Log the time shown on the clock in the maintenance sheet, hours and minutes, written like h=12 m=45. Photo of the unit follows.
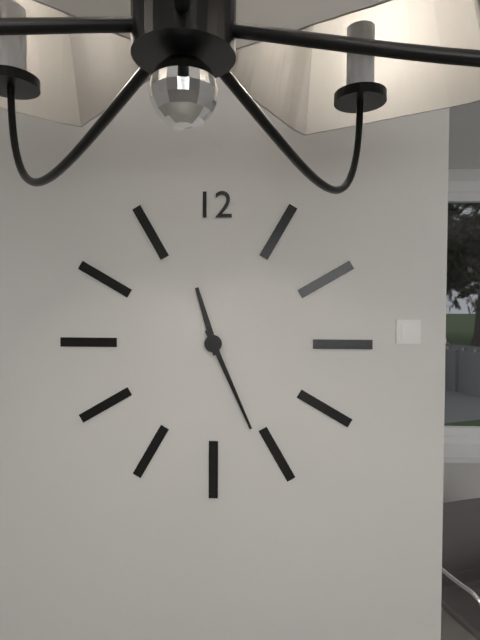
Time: h=11 m=26
